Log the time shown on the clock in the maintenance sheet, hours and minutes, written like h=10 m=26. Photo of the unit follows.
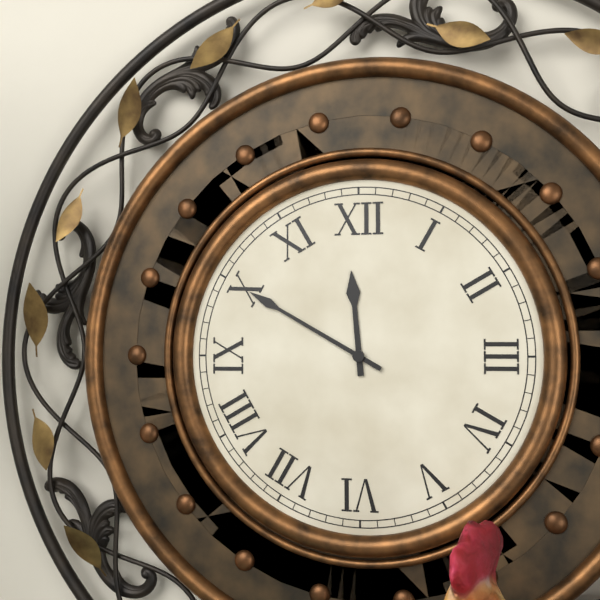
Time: h=11 m=50
